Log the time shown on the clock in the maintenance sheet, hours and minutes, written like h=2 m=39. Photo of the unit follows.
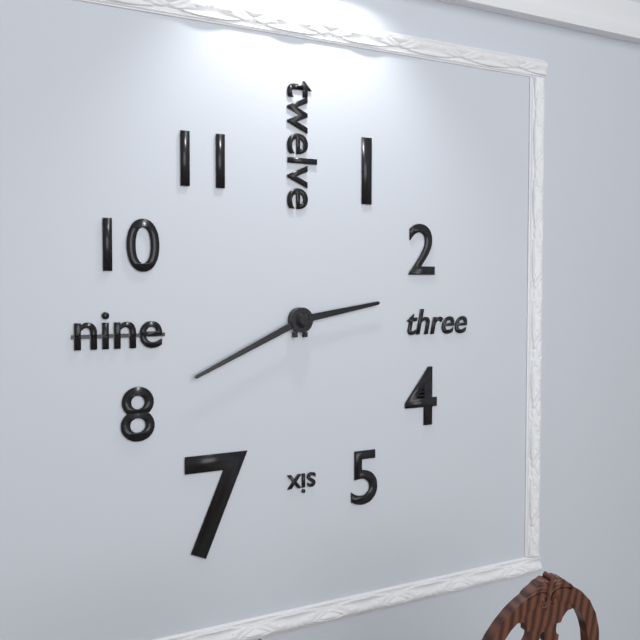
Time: h=2 m=41
